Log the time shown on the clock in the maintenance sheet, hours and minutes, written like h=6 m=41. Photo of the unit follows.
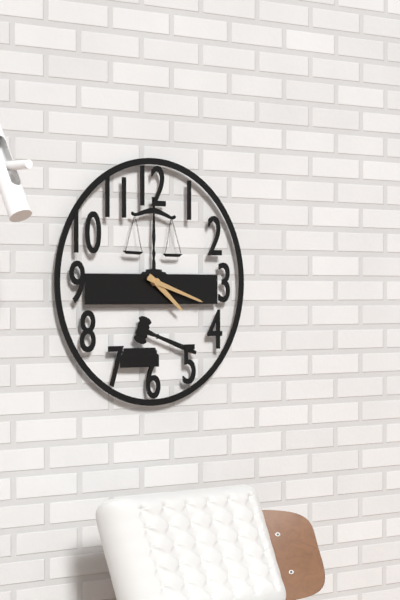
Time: h=4 m=18
